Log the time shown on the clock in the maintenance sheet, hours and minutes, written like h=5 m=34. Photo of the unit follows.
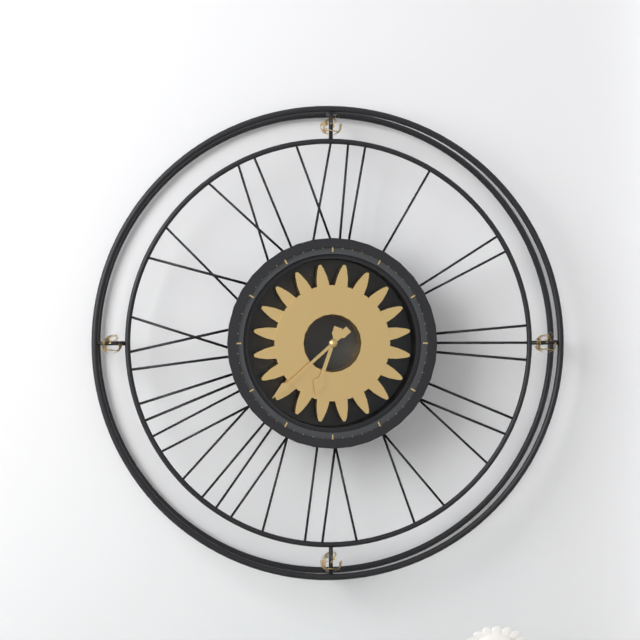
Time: h=6 m=38
